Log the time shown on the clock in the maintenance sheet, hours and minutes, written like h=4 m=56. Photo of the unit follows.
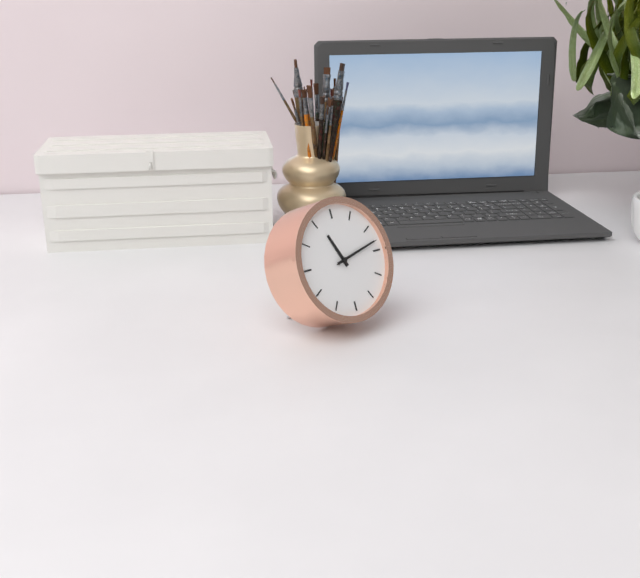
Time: h=11 m=13
